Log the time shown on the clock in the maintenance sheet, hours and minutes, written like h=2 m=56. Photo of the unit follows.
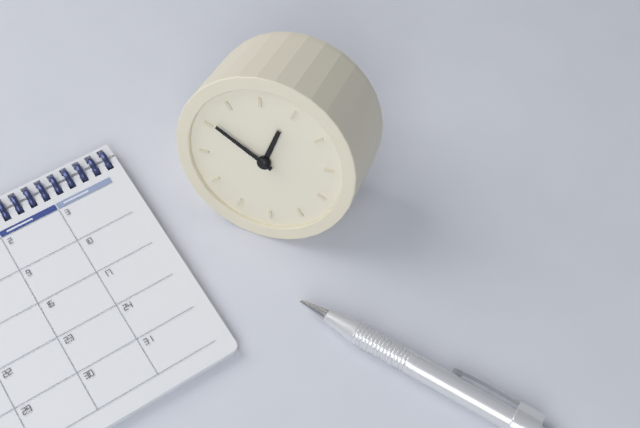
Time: h=12 m=51
